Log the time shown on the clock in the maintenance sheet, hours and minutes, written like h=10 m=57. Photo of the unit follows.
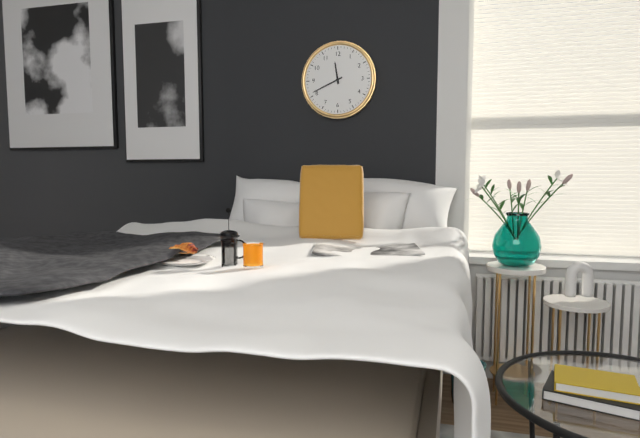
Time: h=11 m=41
